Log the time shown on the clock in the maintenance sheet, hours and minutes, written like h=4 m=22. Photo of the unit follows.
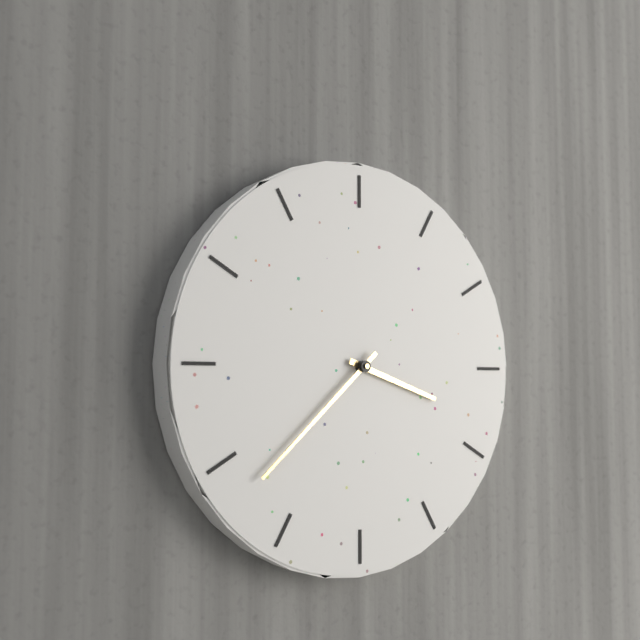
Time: h=3 m=38
